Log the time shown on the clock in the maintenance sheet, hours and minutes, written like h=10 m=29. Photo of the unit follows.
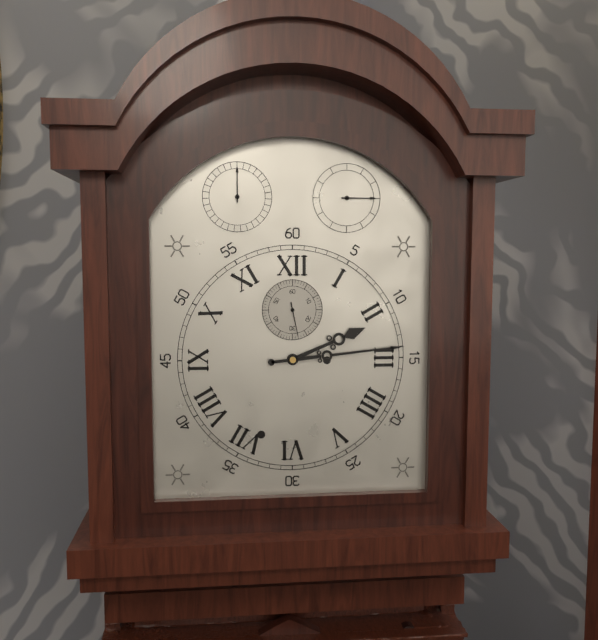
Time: h=2 m=14
